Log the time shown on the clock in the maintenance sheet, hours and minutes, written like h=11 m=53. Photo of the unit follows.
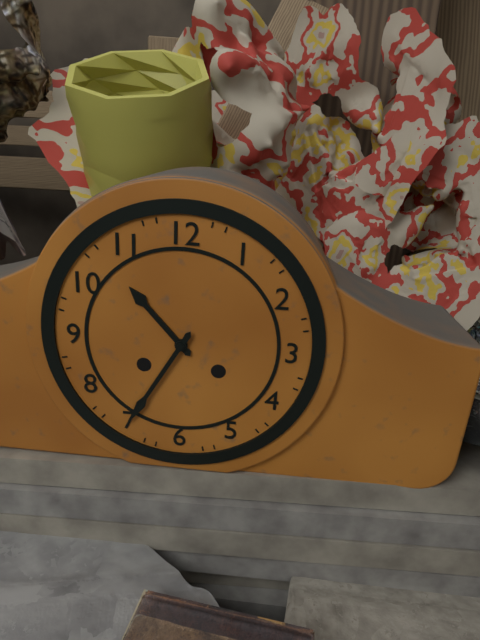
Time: h=10 m=35
